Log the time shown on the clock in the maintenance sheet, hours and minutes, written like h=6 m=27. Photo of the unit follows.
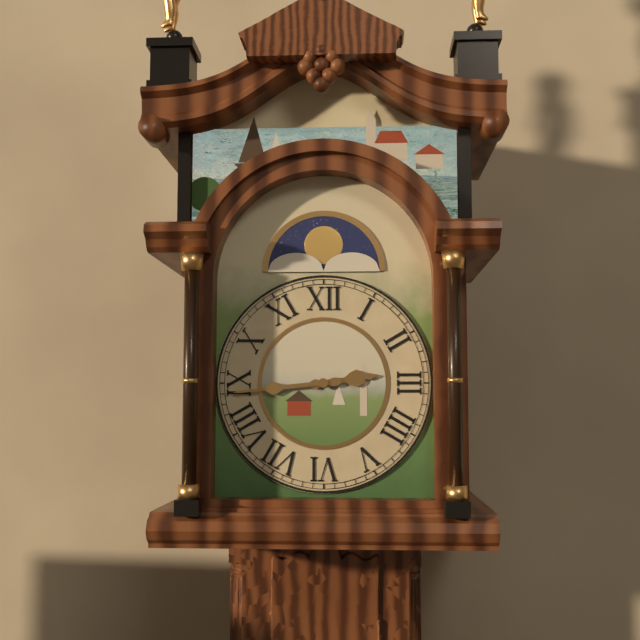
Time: h=2 m=44
